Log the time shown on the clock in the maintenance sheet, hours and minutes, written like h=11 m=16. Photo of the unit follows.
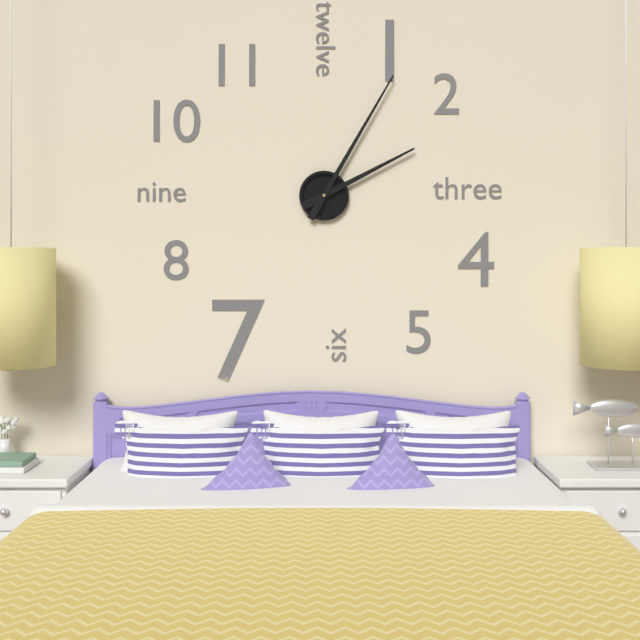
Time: h=2 m=5
